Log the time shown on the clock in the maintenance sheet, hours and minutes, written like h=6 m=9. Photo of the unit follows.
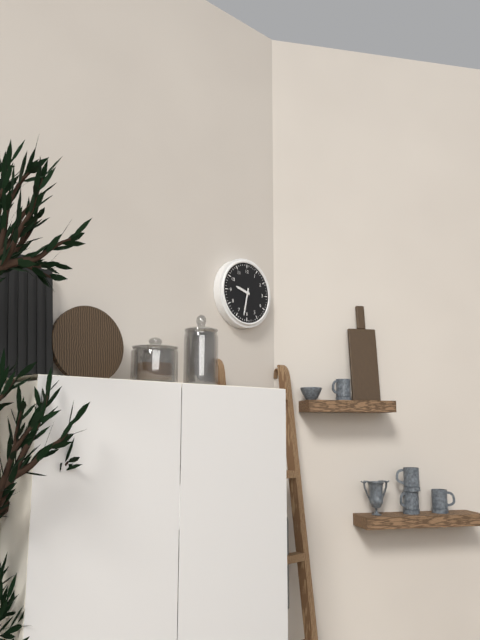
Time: h=9 m=32
